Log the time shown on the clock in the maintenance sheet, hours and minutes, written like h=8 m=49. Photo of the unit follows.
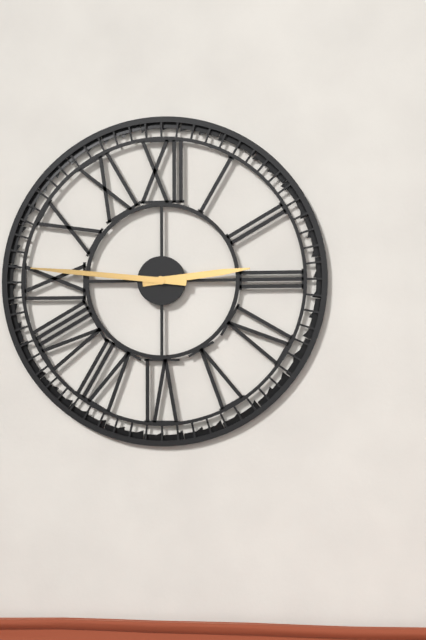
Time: h=2 m=46
